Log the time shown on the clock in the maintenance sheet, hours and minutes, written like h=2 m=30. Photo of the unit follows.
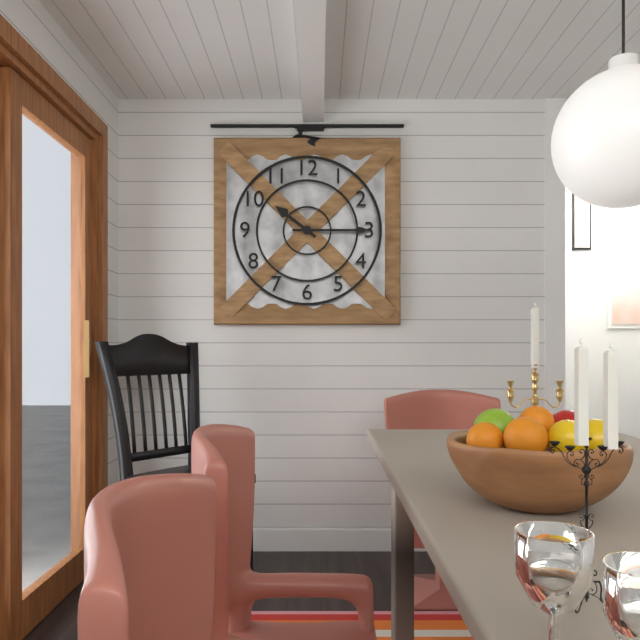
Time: h=10 m=15
